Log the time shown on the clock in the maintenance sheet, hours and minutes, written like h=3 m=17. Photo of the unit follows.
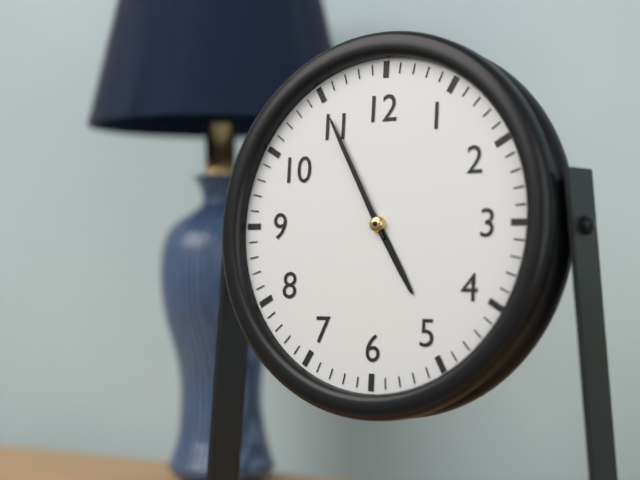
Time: h=4 m=55
